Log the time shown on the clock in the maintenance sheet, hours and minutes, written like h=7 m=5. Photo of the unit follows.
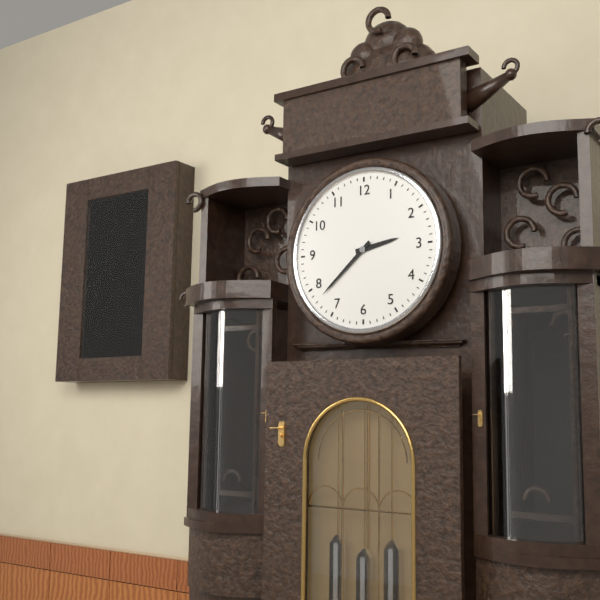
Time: h=2 m=38
